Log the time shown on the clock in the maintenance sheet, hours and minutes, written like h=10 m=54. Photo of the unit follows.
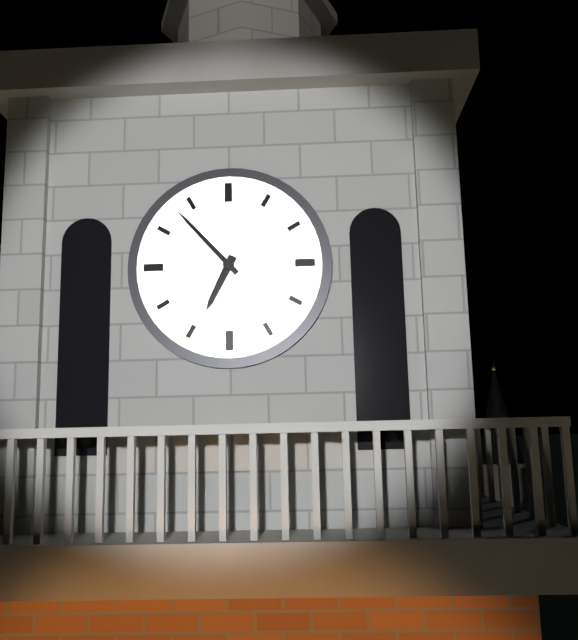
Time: h=6 m=53
